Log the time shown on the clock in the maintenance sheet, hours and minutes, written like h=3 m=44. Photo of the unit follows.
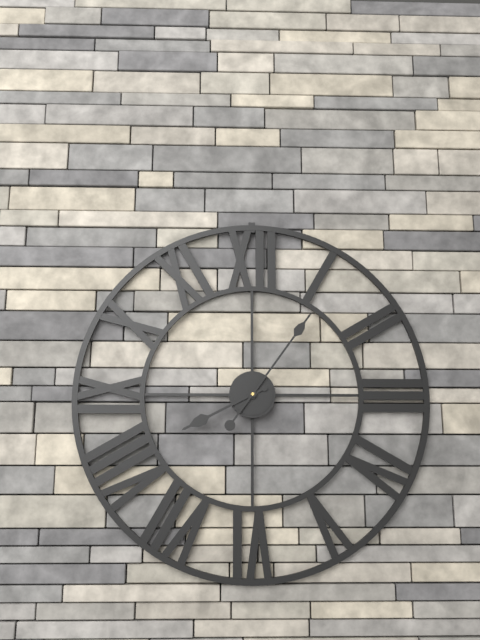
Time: h=8 m=6
